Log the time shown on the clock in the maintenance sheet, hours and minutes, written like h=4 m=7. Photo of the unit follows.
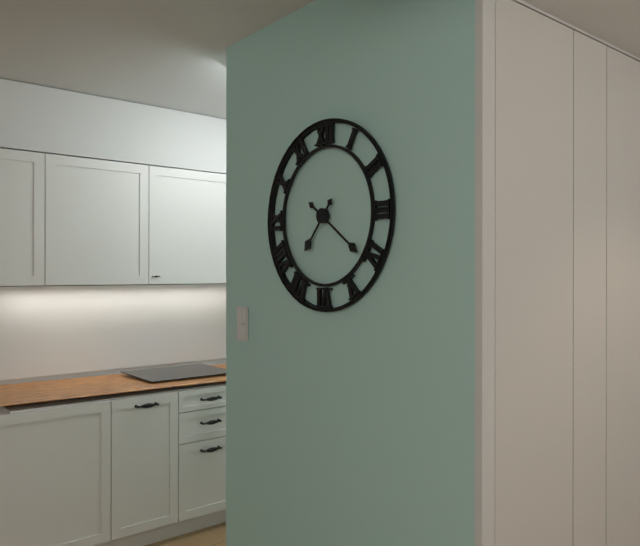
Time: h=7 m=21
